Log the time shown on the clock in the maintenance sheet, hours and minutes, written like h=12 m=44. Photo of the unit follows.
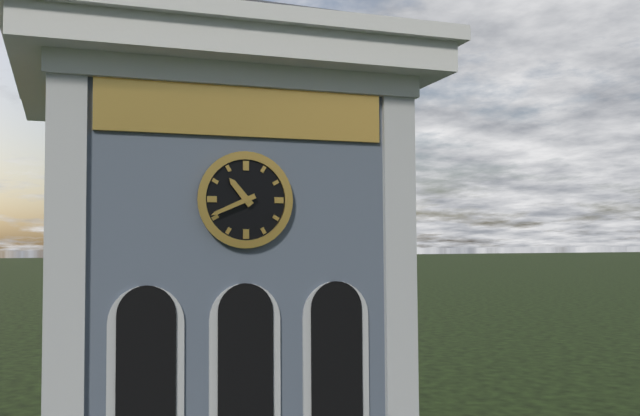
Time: h=10 m=41
